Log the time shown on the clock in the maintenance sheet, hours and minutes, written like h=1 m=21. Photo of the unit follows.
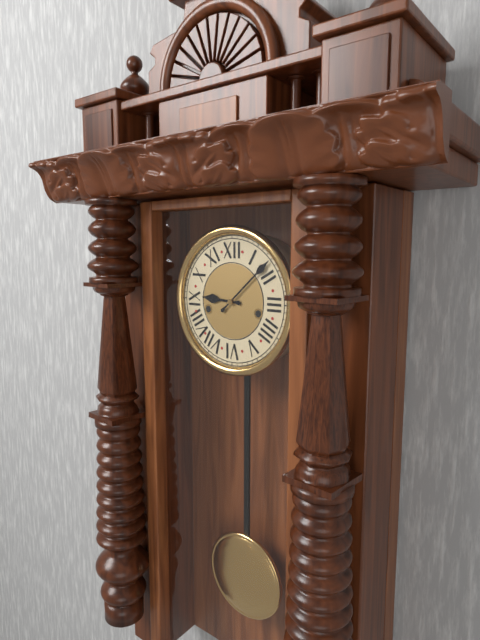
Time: h=9 m=8
